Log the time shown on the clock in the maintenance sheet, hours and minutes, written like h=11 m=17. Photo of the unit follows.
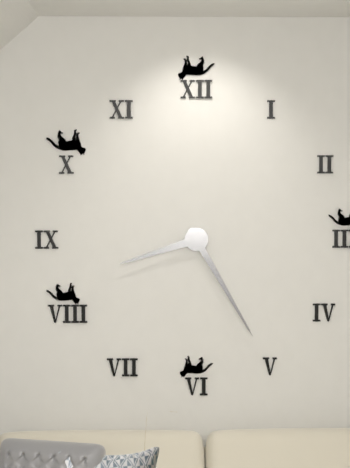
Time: h=8 m=25
